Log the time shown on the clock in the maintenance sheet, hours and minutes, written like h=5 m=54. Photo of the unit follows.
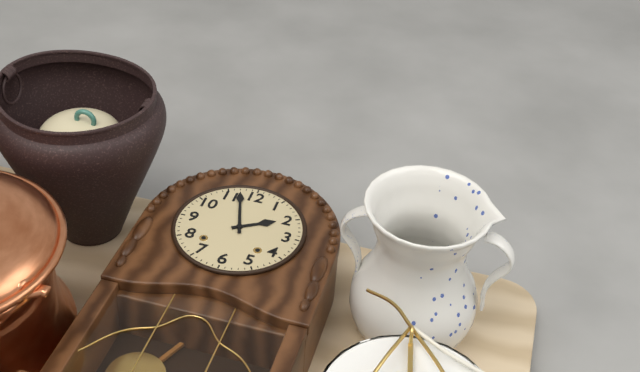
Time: h=1 m=57
